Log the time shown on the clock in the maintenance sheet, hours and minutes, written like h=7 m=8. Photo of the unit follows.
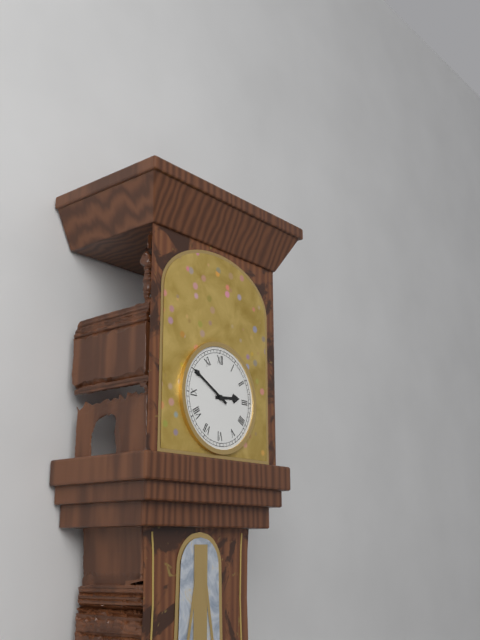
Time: h=2 m=50
